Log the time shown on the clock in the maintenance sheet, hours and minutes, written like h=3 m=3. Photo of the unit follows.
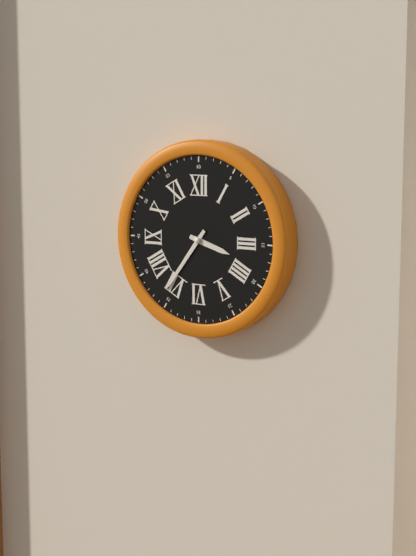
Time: h=3 m=36
